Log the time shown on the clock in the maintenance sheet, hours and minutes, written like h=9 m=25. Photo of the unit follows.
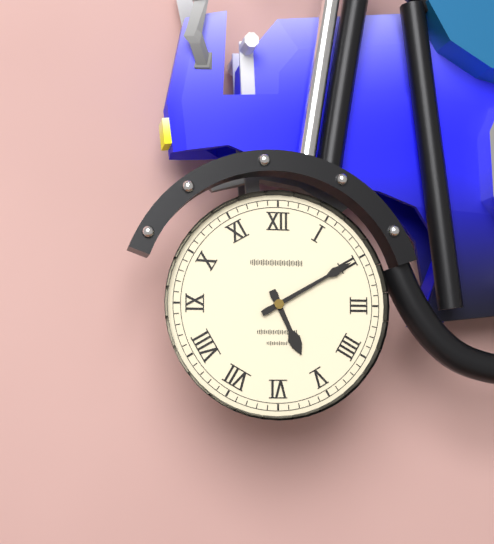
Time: h=5 m=10
